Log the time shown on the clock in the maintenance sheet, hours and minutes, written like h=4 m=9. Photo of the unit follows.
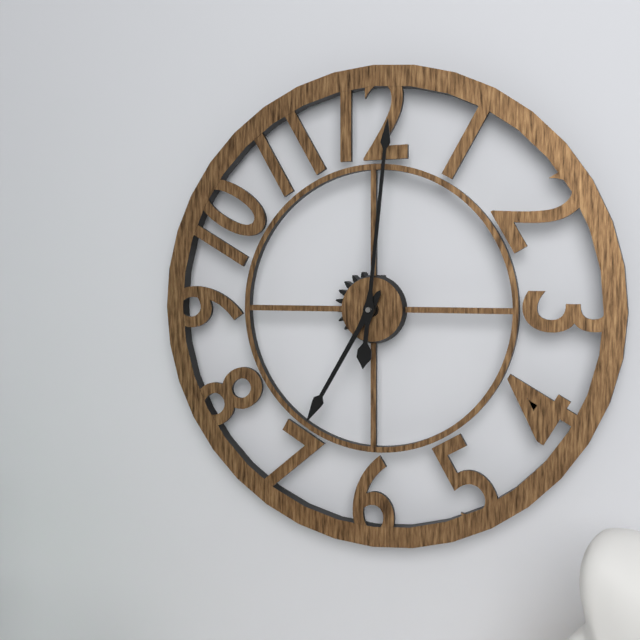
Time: h=7 m=1
